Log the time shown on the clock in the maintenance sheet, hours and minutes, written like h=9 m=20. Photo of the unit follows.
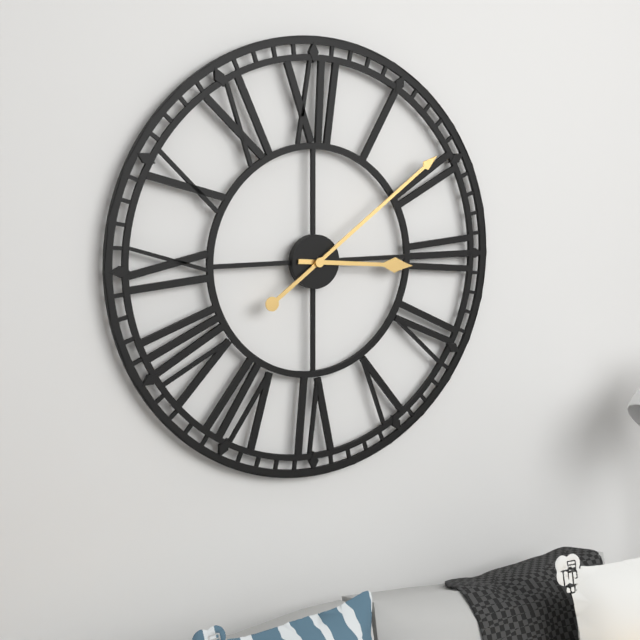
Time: h=3 m=9
